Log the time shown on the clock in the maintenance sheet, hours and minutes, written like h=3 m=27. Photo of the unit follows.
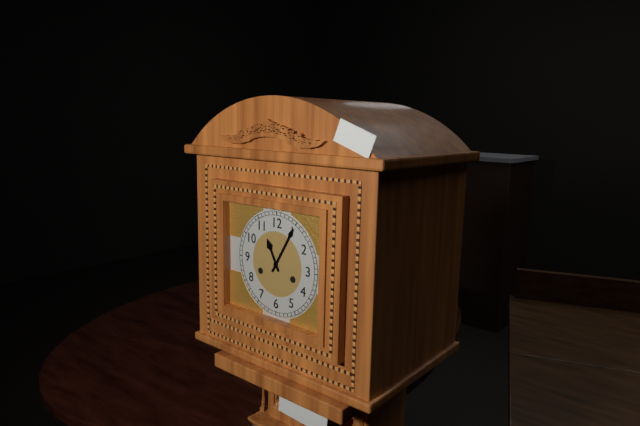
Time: h=11 m=5
